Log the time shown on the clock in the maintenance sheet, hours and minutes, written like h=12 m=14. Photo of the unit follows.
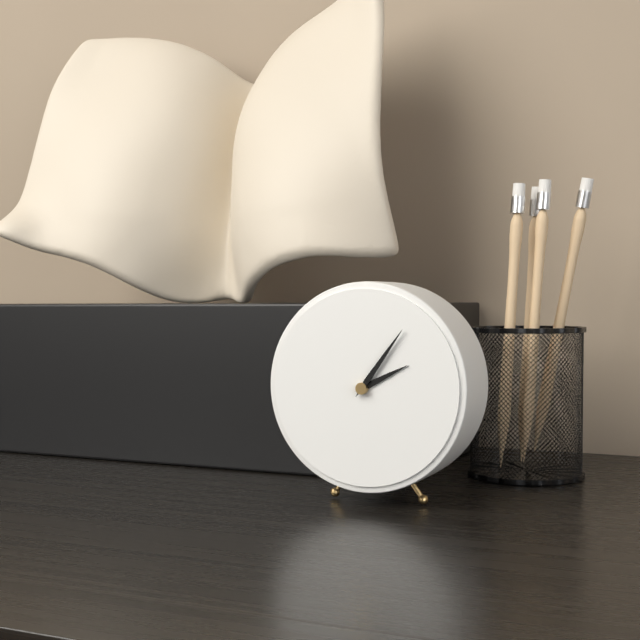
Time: h=2 m=6
